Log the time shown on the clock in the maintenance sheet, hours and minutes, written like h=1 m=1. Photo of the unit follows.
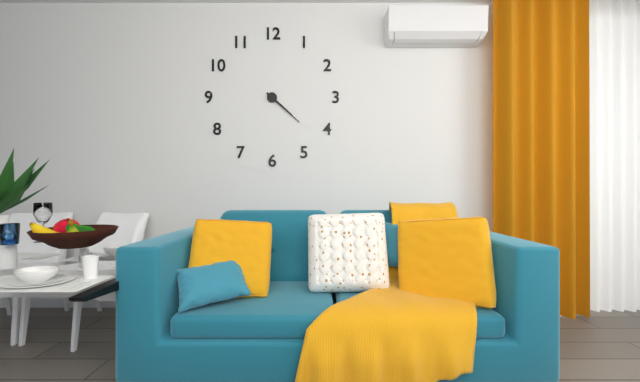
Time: h=4 m=22
